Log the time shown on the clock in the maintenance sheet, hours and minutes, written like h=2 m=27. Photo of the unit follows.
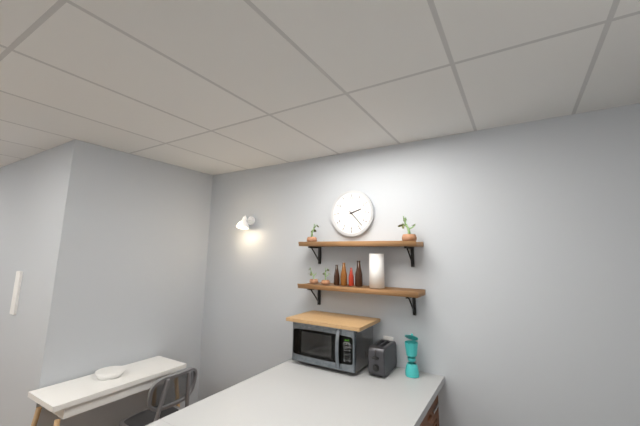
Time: h=2 m=23
